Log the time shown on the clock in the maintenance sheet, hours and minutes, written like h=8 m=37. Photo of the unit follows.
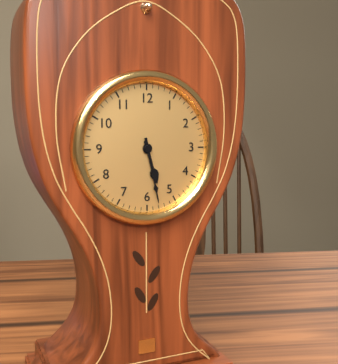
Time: h=5 m=28
